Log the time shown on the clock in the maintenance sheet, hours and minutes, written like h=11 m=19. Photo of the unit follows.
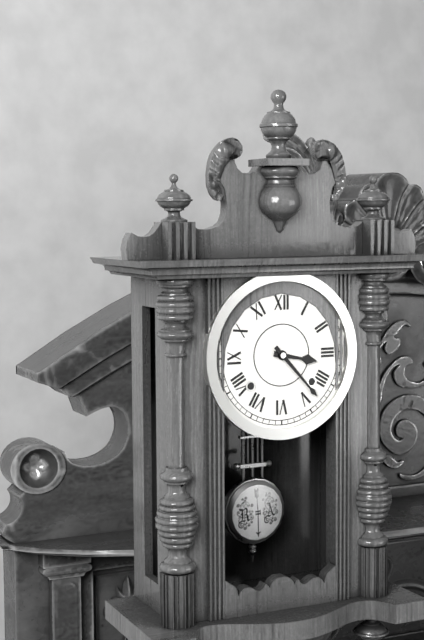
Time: h=3 m=23
